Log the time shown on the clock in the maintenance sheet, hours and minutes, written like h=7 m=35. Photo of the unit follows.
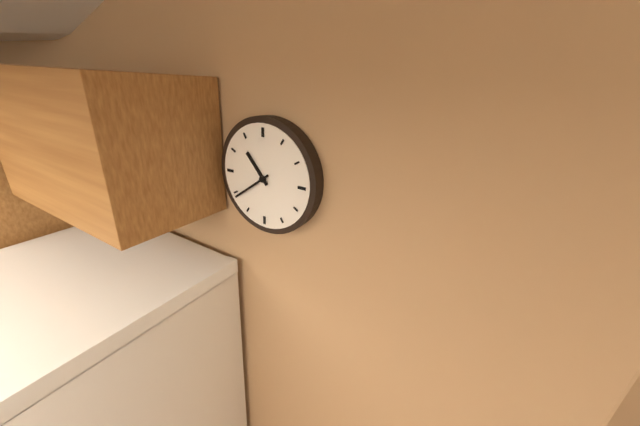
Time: h=10 m=39
